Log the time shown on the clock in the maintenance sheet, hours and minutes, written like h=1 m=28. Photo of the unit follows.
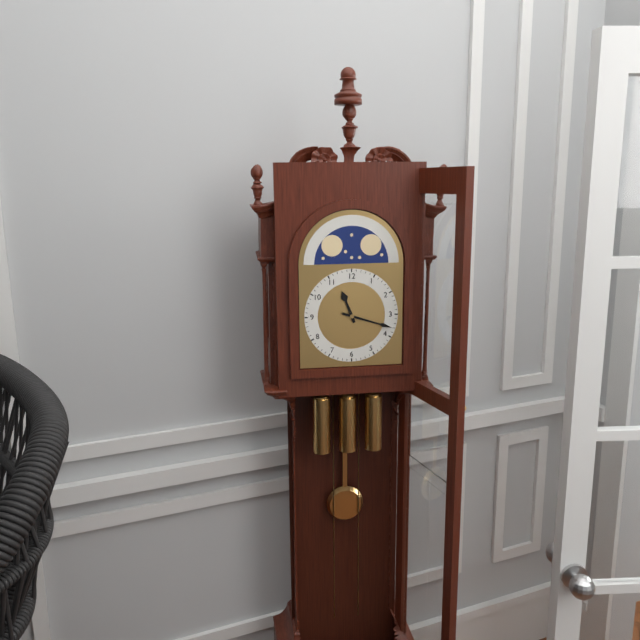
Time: h=11 m=18
